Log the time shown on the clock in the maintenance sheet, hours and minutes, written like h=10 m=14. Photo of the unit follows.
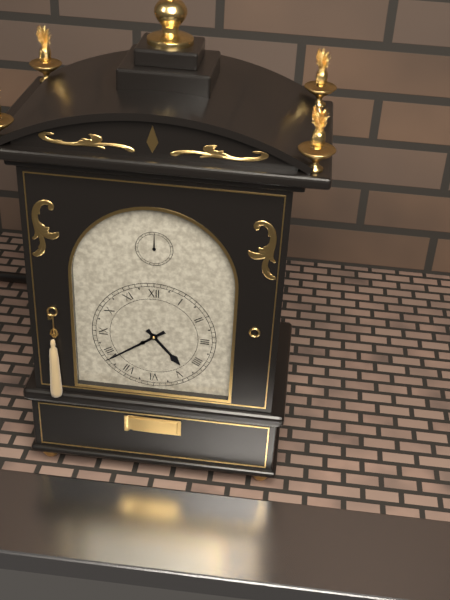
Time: h=4 m=39
